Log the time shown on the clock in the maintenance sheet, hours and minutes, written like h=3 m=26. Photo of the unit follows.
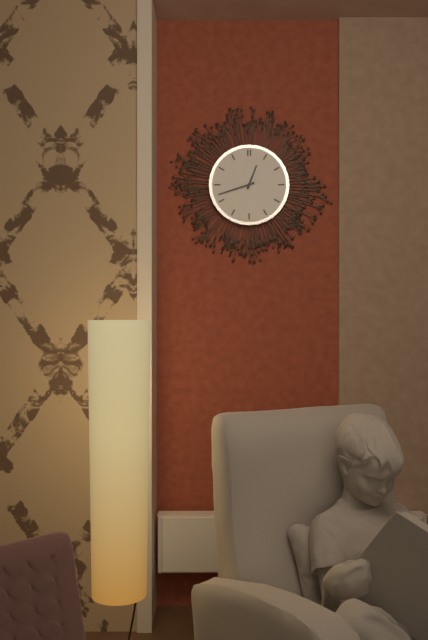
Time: h=12 m=42
